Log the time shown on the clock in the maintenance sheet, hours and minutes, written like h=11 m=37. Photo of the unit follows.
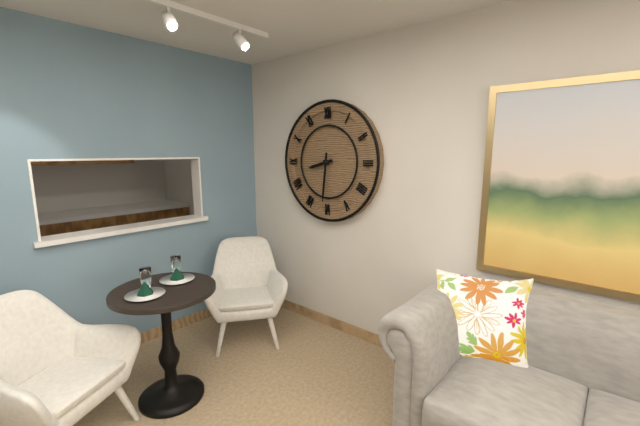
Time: h=8 m=31
